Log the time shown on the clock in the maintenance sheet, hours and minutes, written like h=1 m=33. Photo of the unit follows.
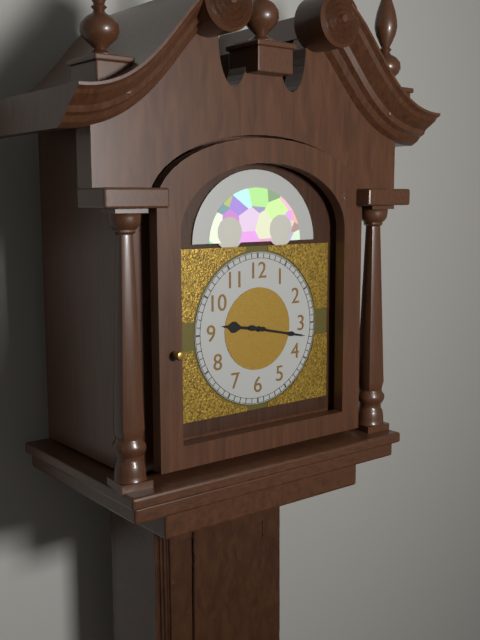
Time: h=9 m=17
